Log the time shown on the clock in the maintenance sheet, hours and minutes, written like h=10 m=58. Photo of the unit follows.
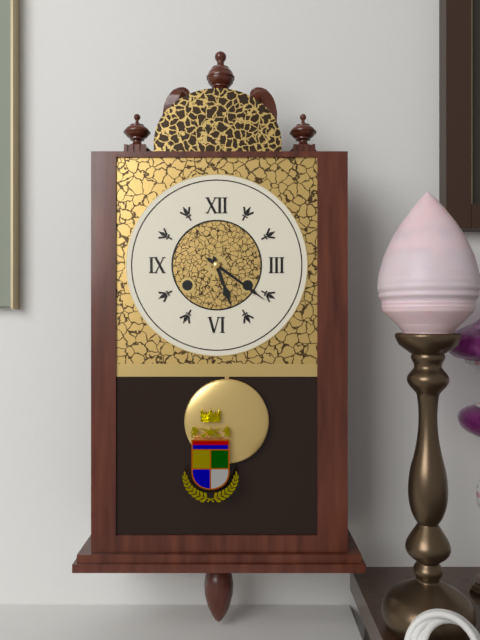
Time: h=5 m=21
